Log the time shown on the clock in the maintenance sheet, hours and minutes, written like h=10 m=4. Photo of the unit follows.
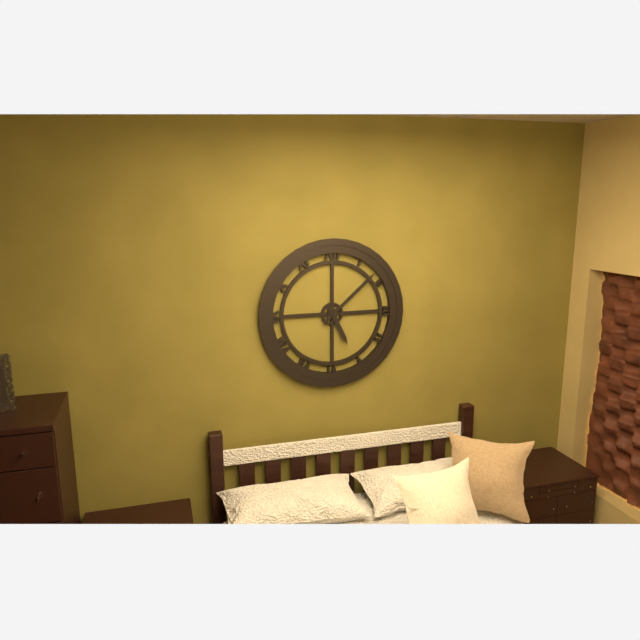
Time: h=5 m=8
